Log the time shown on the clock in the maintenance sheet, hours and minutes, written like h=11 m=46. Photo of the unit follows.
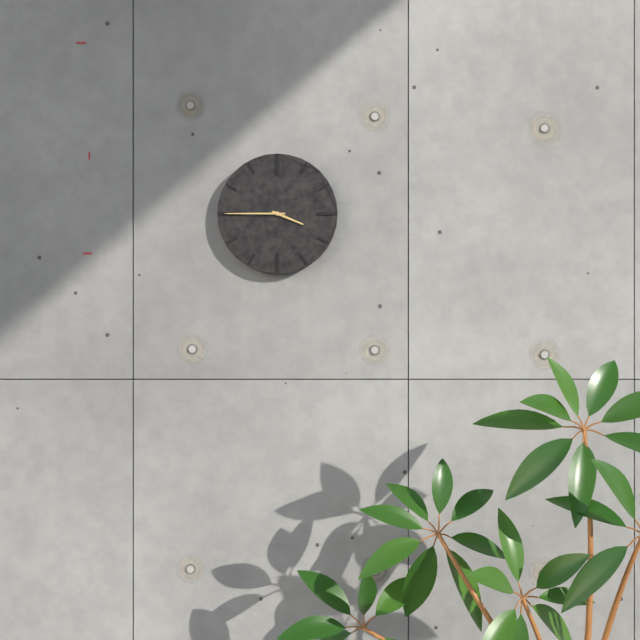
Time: h=3 m=45
